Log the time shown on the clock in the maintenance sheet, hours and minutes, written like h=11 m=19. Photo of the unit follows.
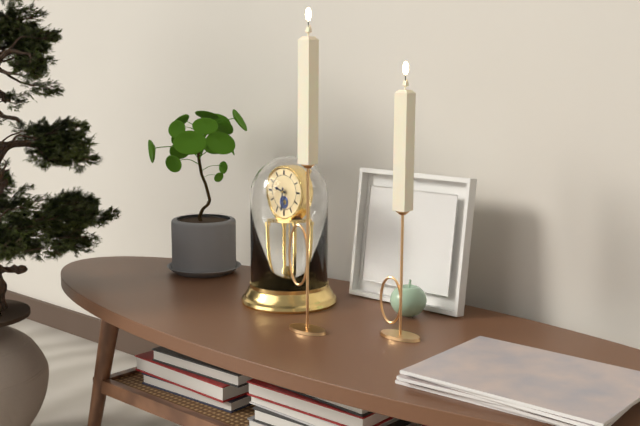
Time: h=9 m=31
